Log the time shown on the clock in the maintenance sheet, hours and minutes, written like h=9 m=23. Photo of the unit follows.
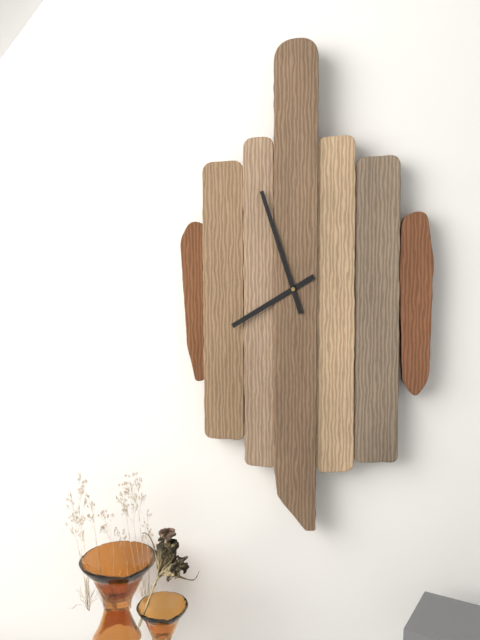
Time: h=7 m=57
